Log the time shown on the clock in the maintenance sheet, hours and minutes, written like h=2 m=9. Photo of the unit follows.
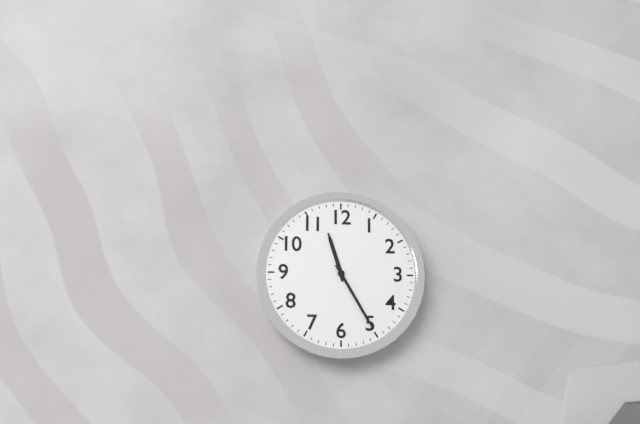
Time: h=11 m=25
